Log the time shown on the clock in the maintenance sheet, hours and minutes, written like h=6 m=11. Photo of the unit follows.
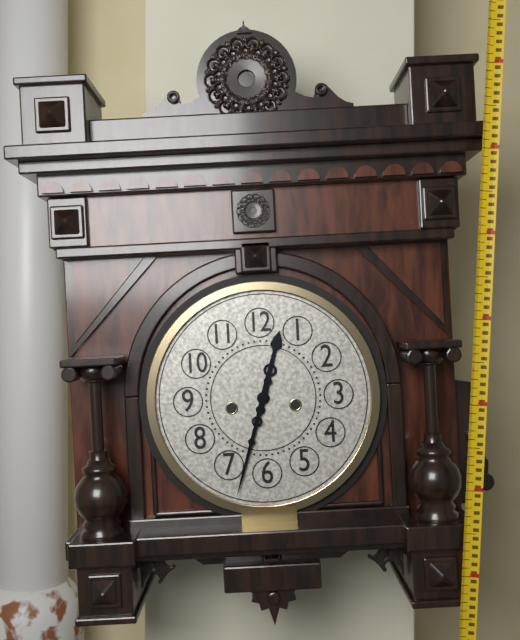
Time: h=12 m=33
